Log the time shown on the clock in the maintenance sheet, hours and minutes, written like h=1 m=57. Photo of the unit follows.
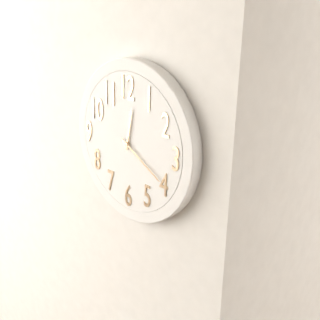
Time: h=12 m=20
